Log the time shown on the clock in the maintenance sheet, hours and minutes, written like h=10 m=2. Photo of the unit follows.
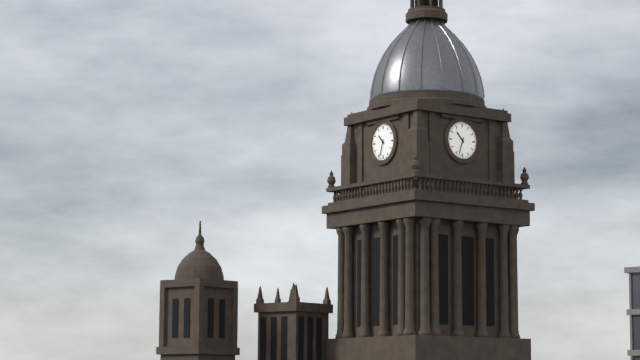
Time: h=10 m=33
